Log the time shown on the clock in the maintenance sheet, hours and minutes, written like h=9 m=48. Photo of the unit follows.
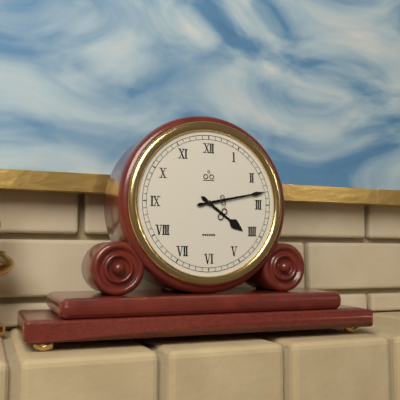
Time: h=4 m=13
